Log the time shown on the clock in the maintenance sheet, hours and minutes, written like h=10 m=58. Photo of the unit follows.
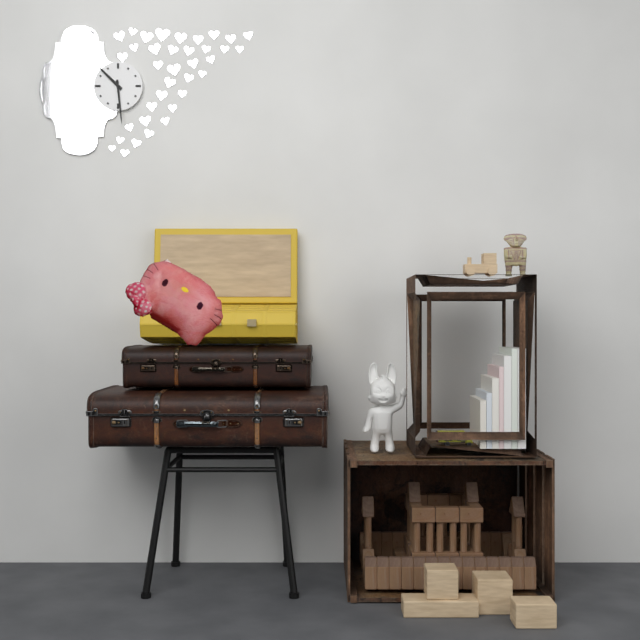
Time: h=10 m=29
